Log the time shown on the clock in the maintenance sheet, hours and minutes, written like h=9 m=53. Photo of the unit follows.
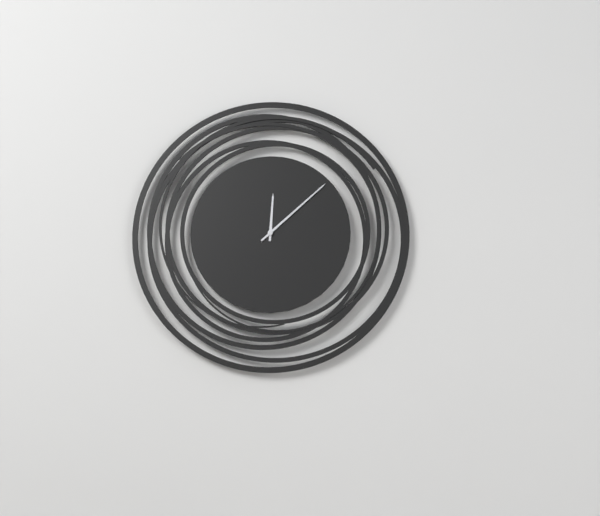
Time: h=12 m=8
